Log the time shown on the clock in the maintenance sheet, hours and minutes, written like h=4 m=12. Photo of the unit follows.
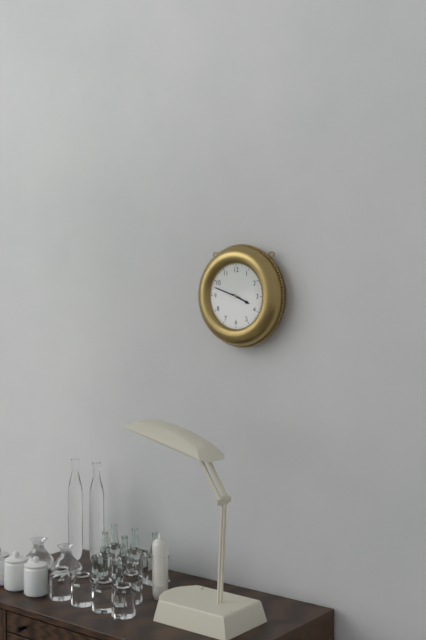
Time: h=3 m=48
